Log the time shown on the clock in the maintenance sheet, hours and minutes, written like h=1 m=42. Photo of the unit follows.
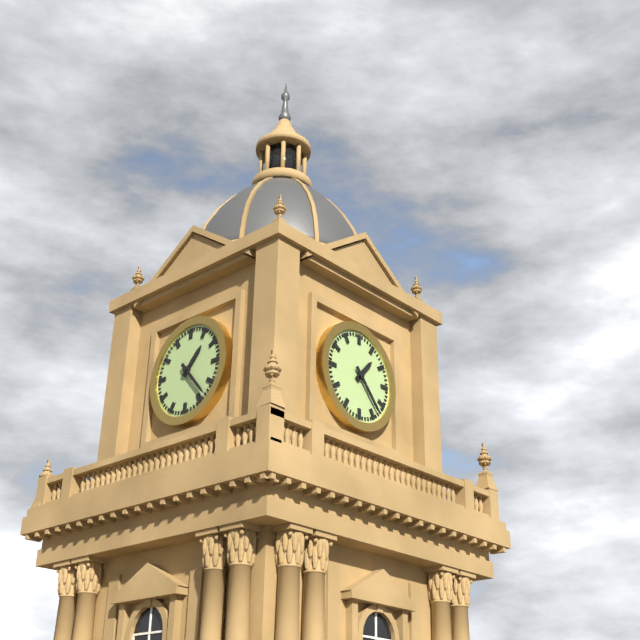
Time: h=1 m=23
